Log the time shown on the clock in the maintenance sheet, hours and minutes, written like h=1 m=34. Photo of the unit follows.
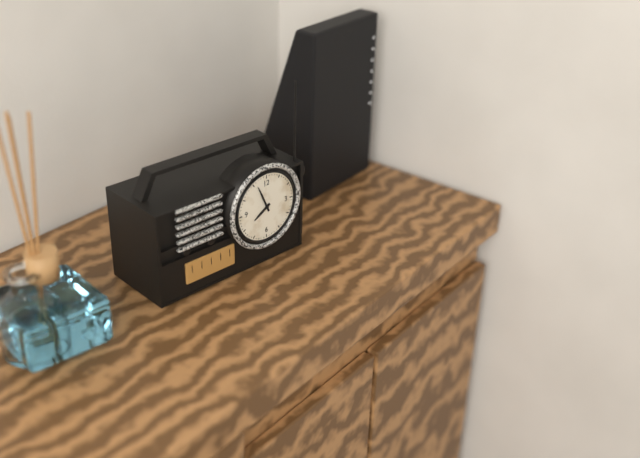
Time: h=7 m=56
